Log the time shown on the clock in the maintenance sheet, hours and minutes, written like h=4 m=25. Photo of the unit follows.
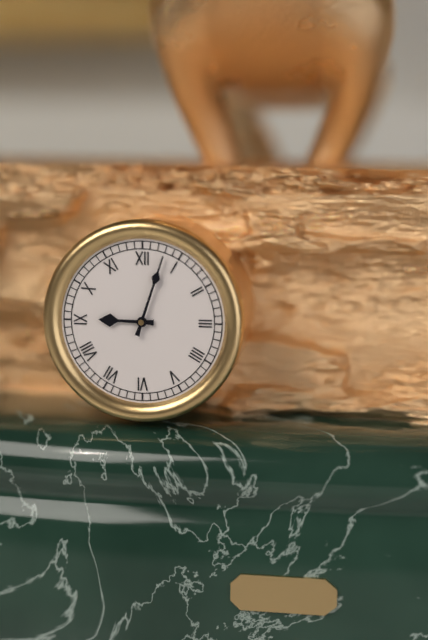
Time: h=9 m=3
